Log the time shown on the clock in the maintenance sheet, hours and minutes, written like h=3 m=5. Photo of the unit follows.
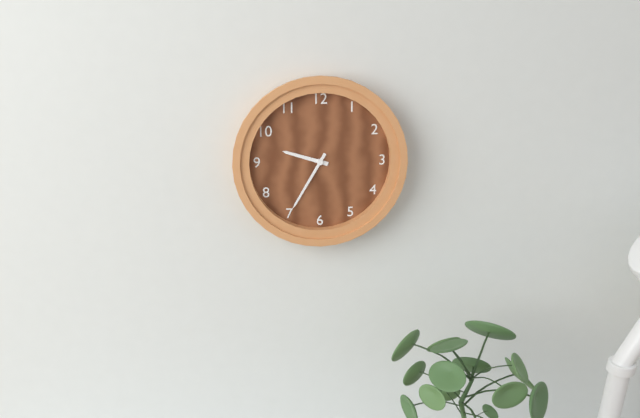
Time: h=9 m=35
